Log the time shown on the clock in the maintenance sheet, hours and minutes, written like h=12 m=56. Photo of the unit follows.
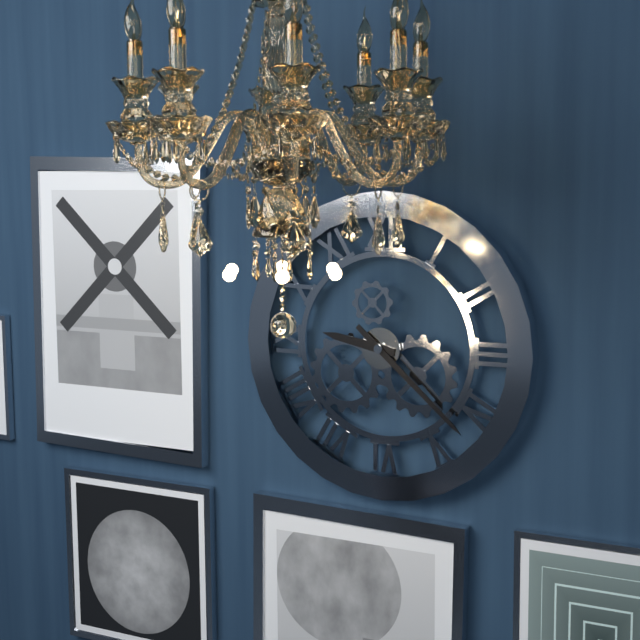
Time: h=9 m=22
